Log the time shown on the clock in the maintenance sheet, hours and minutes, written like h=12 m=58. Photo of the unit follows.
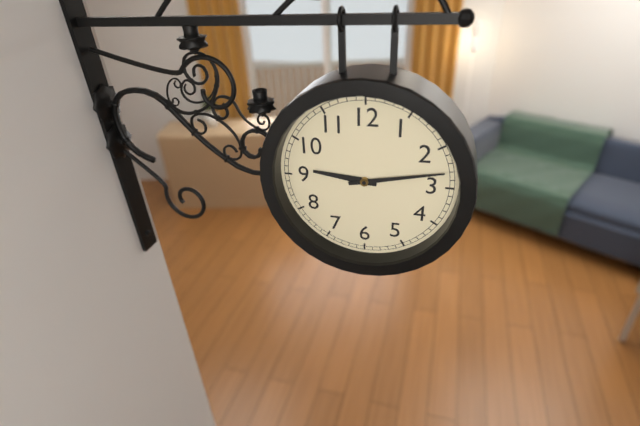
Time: h=9 m=13
